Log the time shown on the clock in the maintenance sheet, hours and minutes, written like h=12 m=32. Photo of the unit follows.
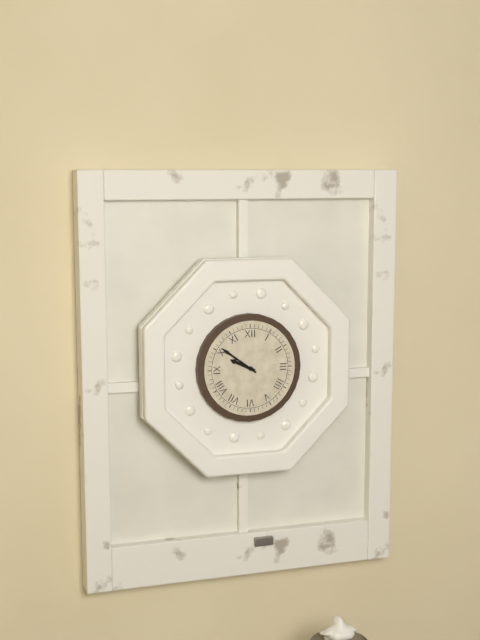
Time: h=9 m=51
